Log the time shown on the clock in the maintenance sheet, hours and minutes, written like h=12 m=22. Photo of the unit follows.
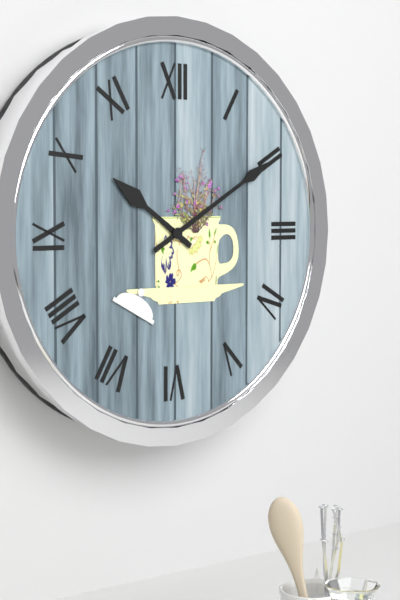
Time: h=10 m=10
